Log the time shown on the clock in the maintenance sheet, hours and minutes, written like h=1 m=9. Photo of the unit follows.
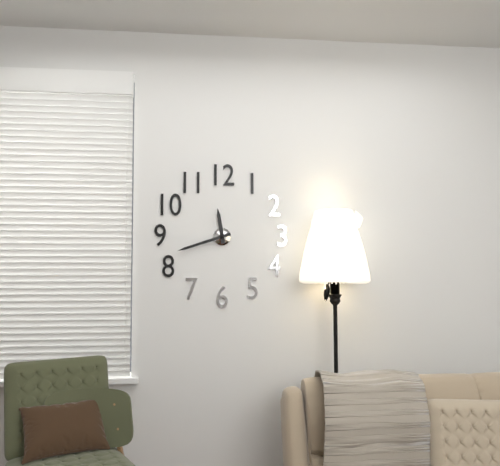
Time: h=11 m=42
